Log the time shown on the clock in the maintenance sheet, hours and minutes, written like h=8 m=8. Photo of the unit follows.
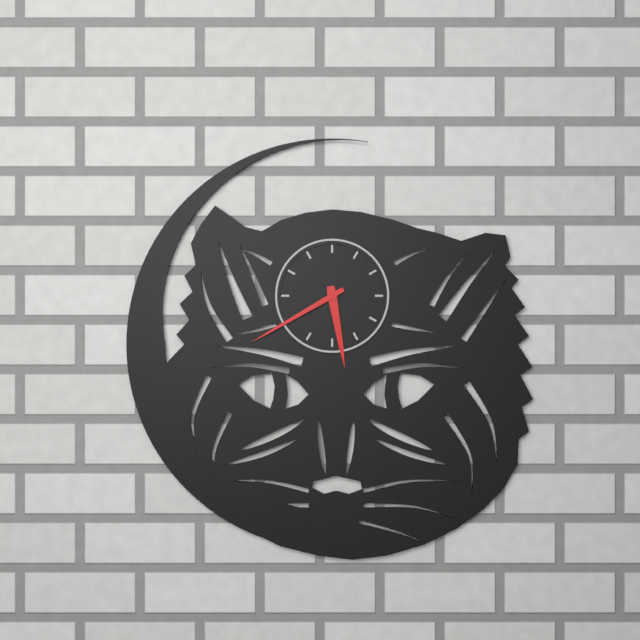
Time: h=5 m=40
